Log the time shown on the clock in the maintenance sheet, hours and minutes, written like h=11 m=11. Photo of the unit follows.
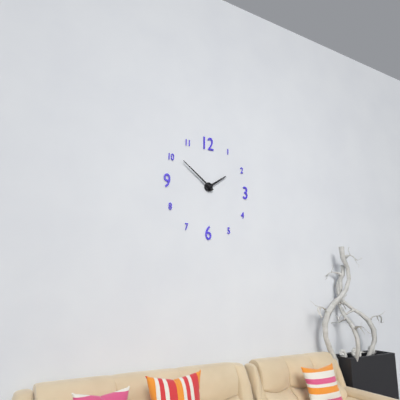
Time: h=1 m=51
